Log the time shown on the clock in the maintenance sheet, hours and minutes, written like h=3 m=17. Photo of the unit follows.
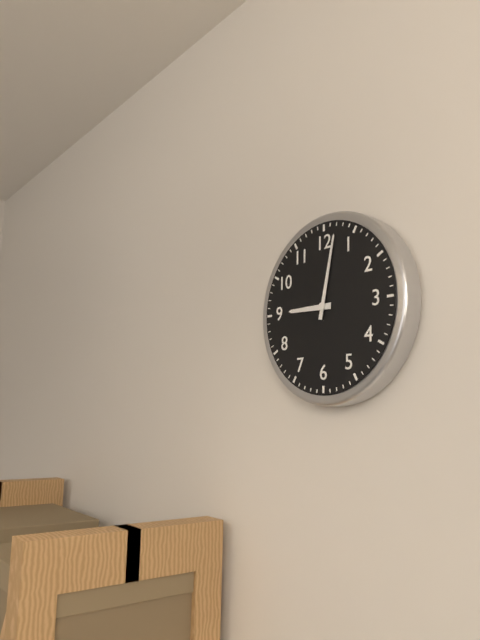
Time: h=9 m=2
